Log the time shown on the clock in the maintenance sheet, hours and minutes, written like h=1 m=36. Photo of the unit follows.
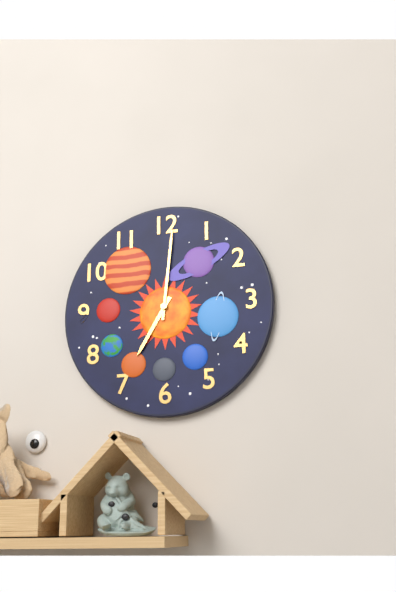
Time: h=7 m=1
